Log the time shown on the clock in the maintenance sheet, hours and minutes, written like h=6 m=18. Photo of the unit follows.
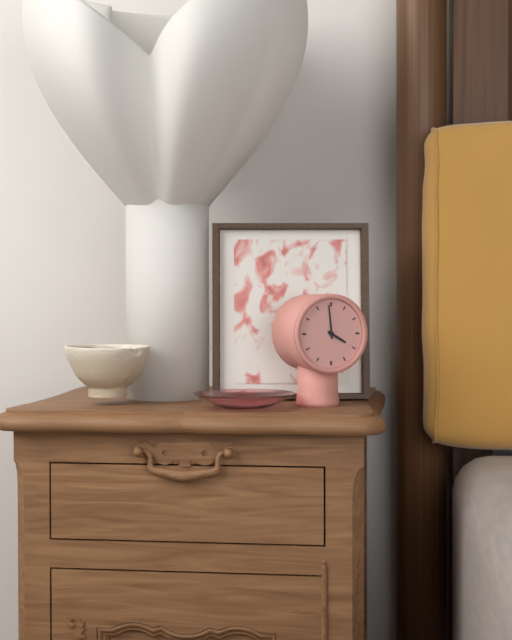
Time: h=3 m=59
